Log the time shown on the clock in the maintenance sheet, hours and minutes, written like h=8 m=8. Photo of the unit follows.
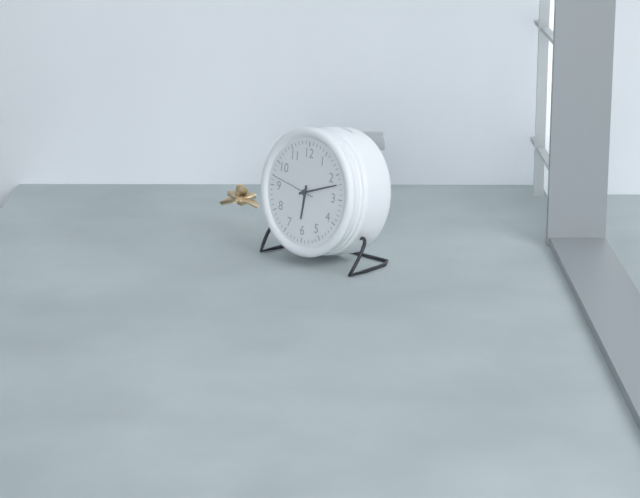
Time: h=6 m=12
